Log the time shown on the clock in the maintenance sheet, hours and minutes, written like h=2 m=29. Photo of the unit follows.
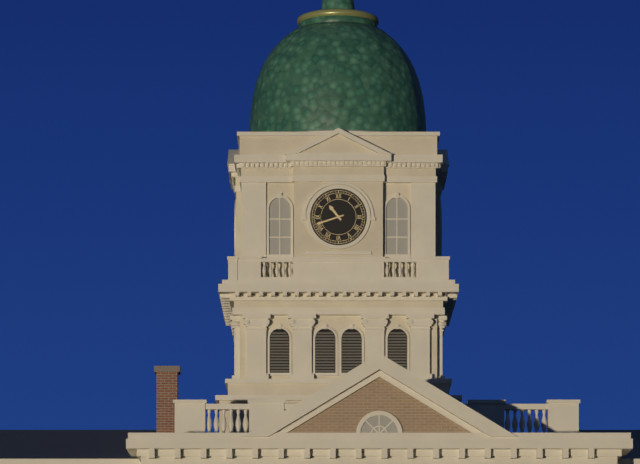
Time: h=10 m=42
